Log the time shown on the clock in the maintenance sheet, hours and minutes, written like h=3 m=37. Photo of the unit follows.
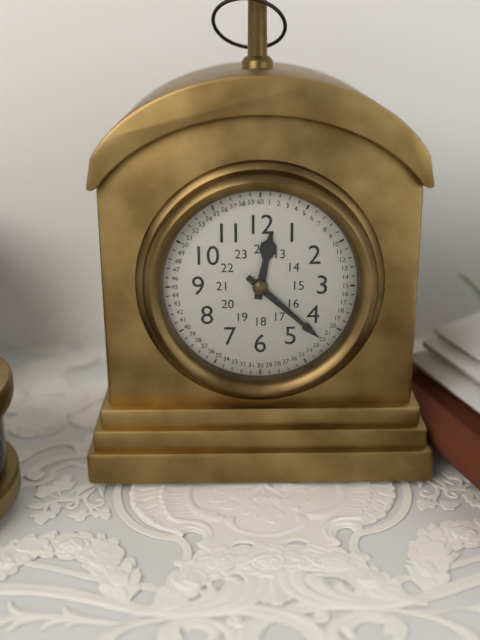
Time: h=12 m=22
